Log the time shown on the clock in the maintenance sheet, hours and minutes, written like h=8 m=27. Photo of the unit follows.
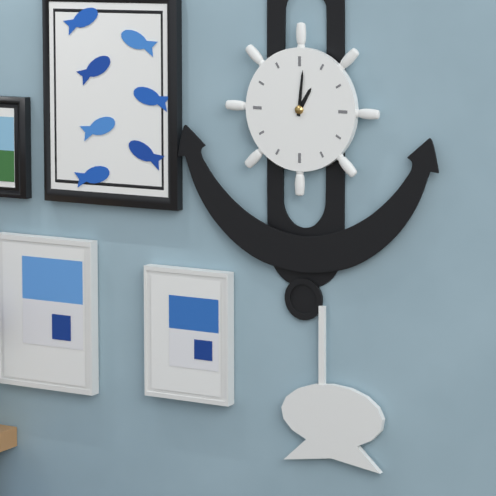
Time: h=1 m=1
